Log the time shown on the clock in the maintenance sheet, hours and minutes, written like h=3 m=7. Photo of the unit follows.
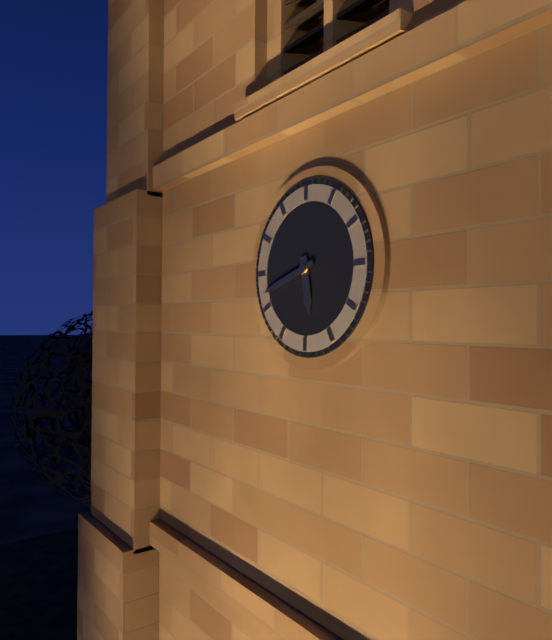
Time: h=5 m=42
